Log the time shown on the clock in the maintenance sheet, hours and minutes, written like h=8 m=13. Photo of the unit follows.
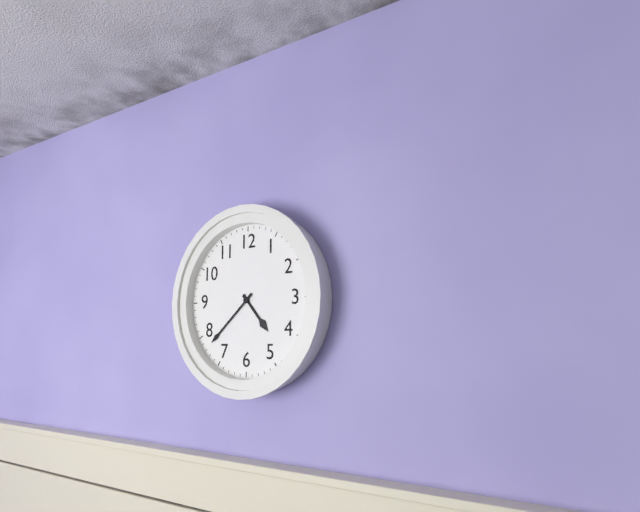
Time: h=4 m=38
